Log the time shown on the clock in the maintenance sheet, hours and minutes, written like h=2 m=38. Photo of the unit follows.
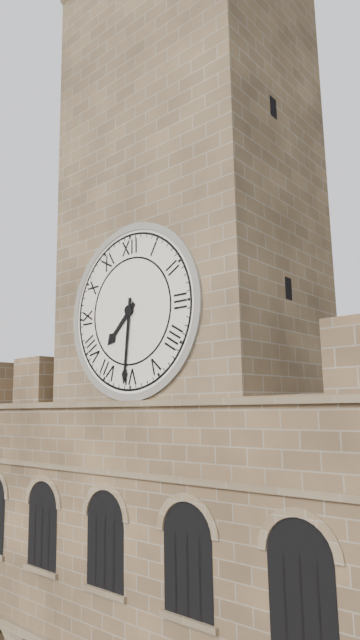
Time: h=7 m=31
